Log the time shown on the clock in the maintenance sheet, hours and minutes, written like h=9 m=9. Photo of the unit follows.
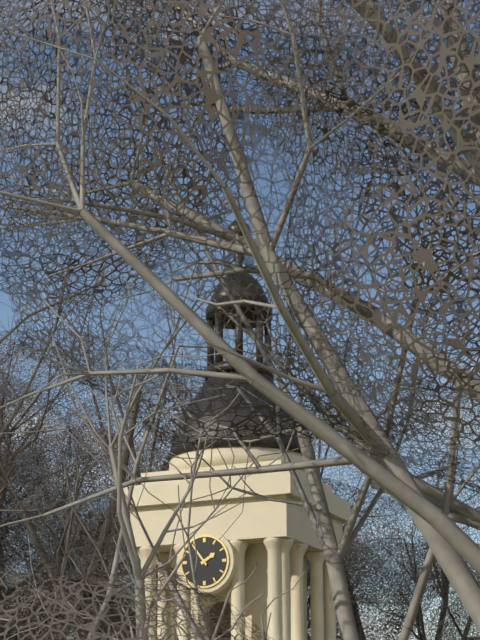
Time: h=1 m=54
